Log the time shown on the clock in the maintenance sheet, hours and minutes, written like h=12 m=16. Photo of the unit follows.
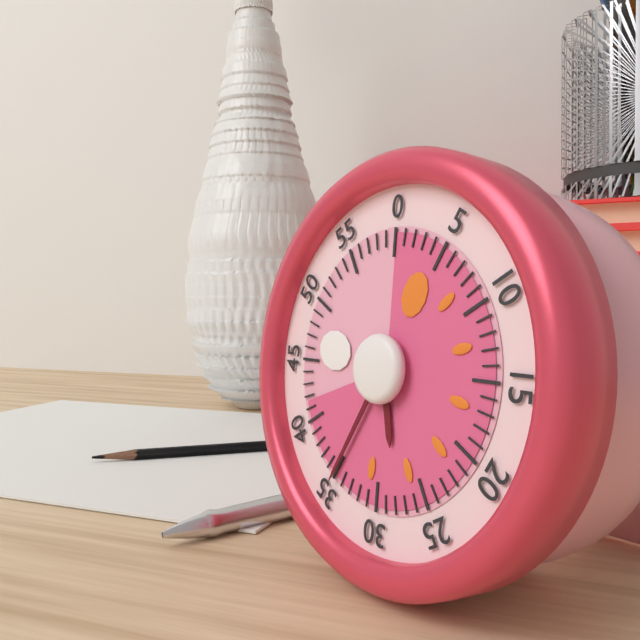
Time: h=5 m=35
